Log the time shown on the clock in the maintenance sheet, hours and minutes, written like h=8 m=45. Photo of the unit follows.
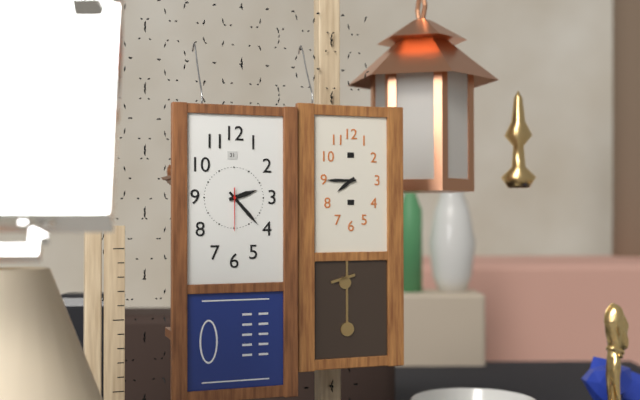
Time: h=2 m=23
